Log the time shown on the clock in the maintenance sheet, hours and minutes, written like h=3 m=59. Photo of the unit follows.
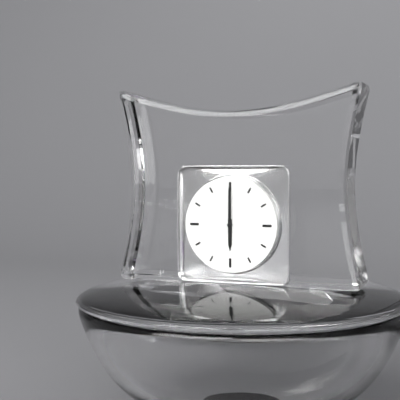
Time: h=6 m=0
